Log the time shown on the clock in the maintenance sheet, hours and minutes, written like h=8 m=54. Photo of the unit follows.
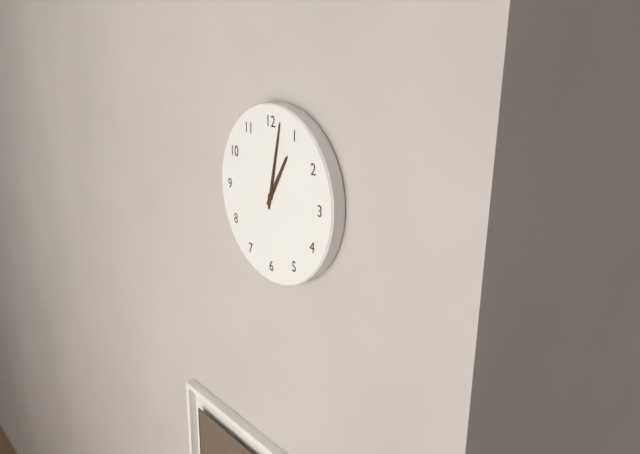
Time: h=1 m=2
